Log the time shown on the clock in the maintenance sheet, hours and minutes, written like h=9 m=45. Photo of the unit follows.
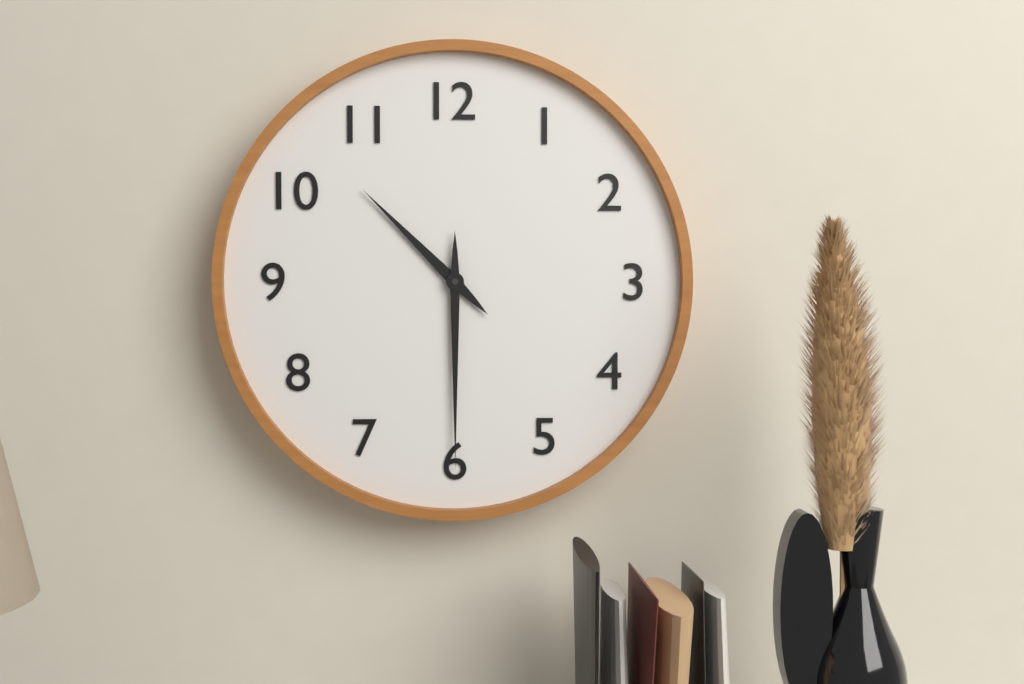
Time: h=10 m=30
